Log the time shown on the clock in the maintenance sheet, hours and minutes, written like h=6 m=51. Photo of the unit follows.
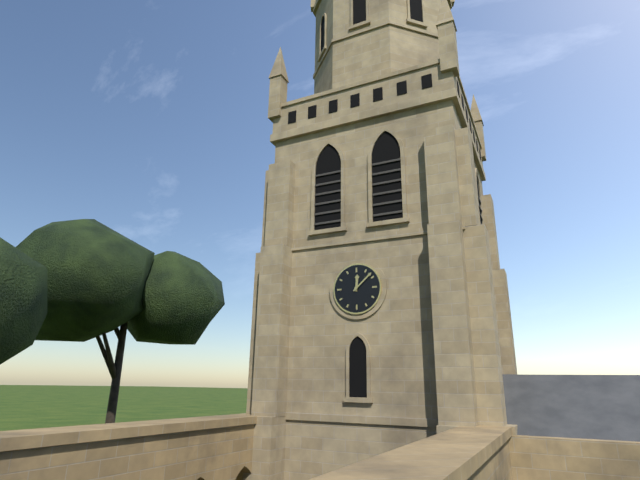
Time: h=12 m=8
